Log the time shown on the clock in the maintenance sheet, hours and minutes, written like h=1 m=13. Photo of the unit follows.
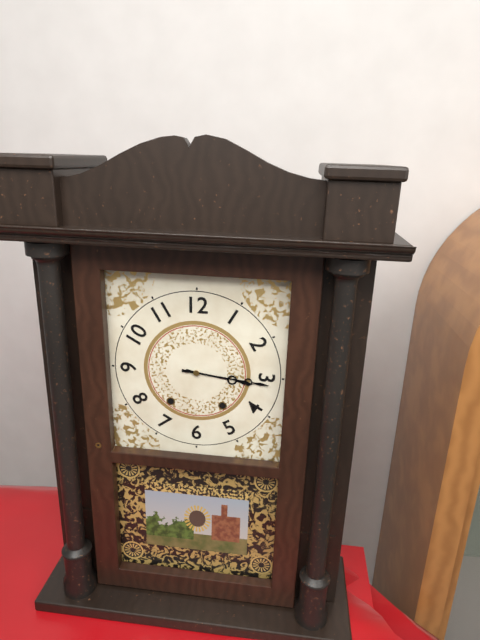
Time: h=3 m=16
